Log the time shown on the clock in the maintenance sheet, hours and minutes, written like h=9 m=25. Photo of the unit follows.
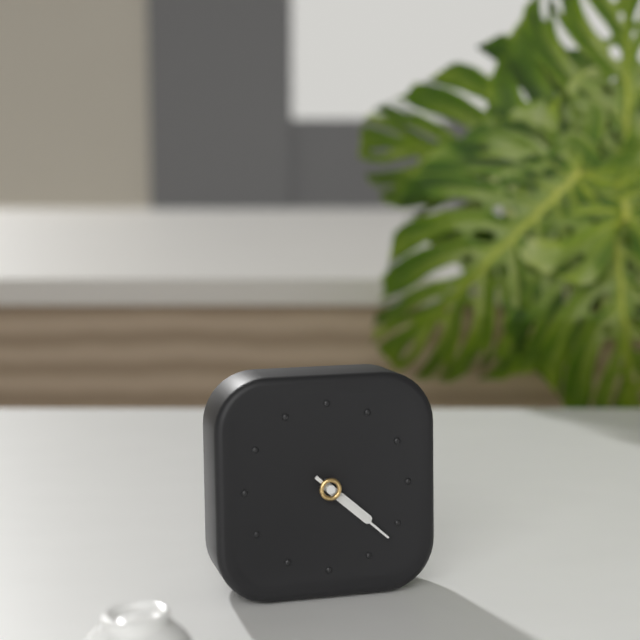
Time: h=4 m=22
